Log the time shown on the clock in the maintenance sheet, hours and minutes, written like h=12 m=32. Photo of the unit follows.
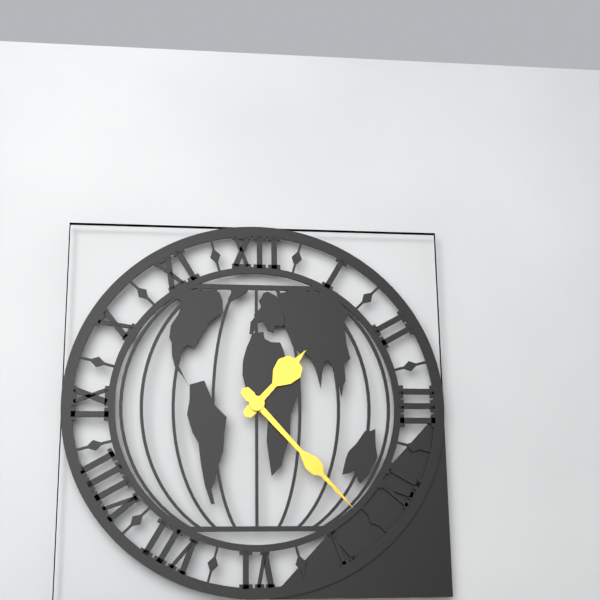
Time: h=1 m=23
